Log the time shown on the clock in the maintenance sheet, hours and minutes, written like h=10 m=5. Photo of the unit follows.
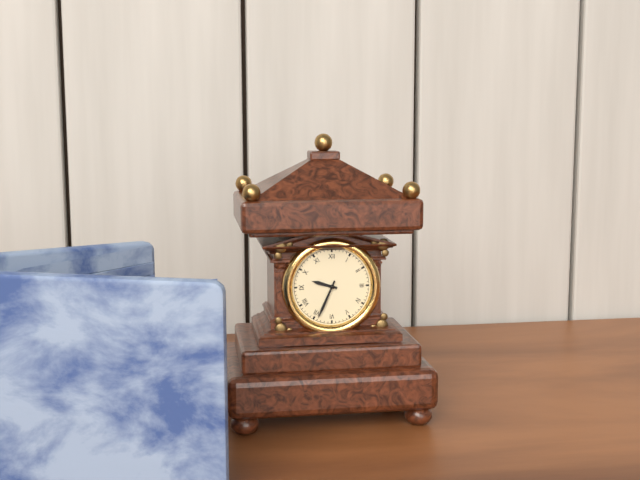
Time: h=9 m=34
